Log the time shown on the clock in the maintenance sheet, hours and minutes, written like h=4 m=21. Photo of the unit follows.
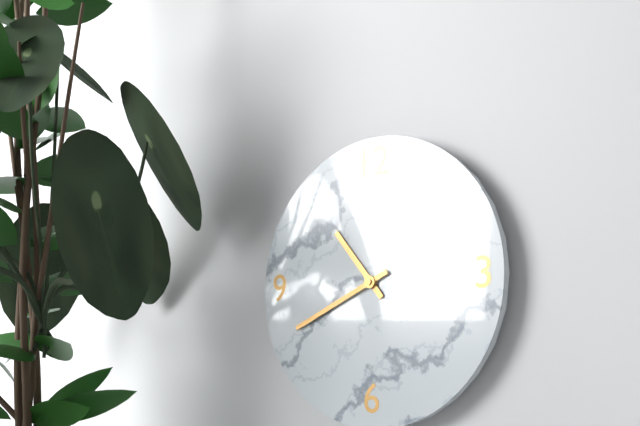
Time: h=10 m=41
